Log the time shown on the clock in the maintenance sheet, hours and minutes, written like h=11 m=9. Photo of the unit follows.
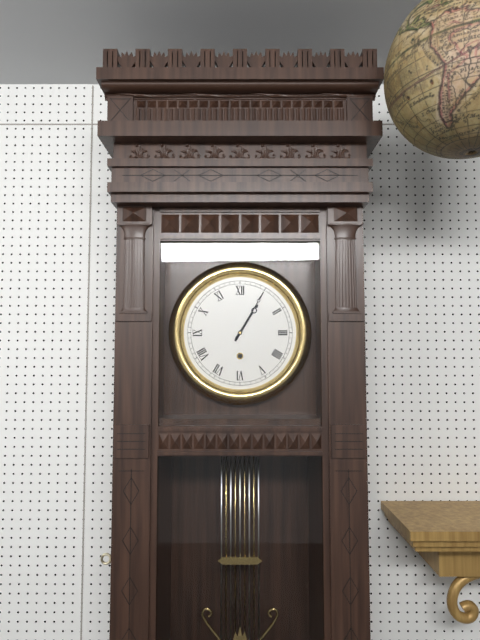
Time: h=1 m=5
